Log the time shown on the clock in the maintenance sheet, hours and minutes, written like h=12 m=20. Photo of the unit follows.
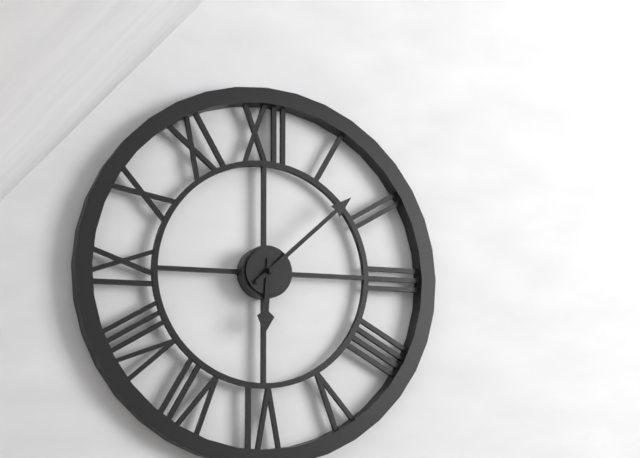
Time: h=6 m=8
